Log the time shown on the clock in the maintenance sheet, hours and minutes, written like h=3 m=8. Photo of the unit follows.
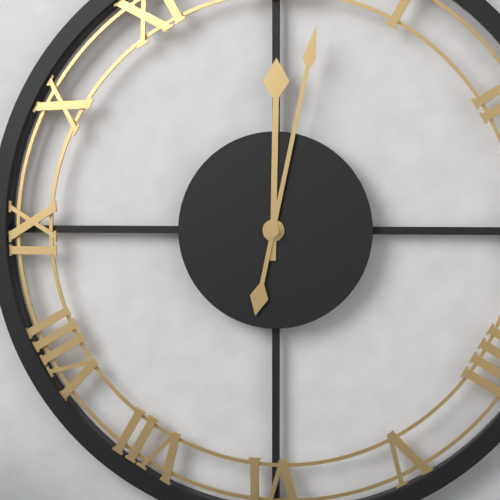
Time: h=12 m=2
